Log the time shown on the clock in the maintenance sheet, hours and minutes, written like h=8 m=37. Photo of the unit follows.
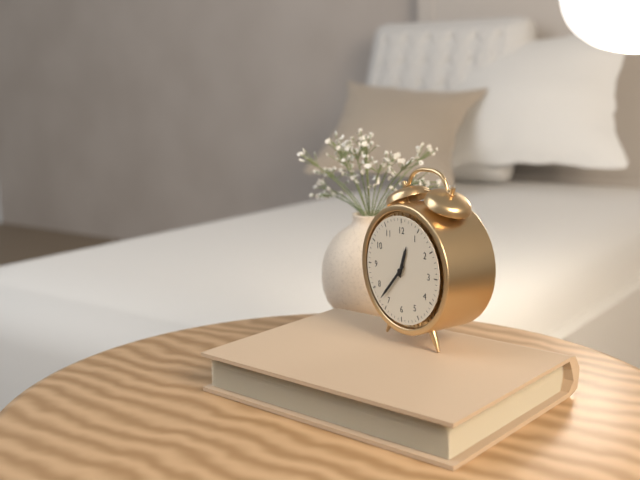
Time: h=12 m=37
